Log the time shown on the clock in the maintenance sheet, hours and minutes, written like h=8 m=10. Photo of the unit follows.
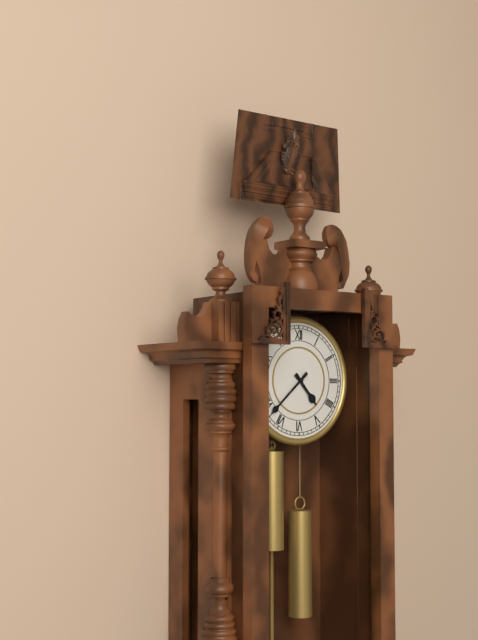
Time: h=4 m=38
